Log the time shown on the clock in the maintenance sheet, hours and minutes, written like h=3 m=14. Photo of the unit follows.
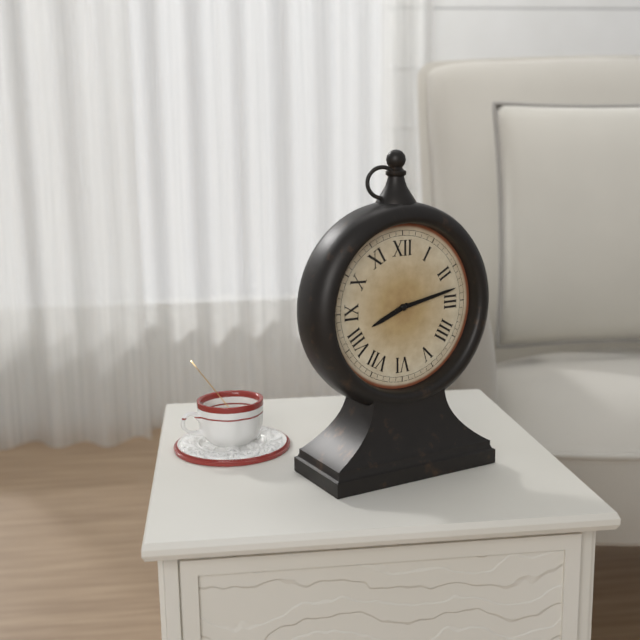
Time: h=8 m=13
